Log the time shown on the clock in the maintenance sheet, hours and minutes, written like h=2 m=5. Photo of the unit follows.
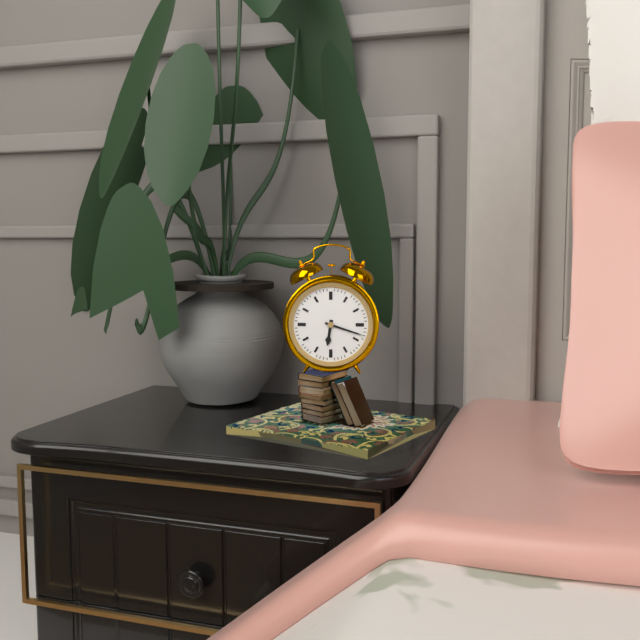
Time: h=6 m=18
